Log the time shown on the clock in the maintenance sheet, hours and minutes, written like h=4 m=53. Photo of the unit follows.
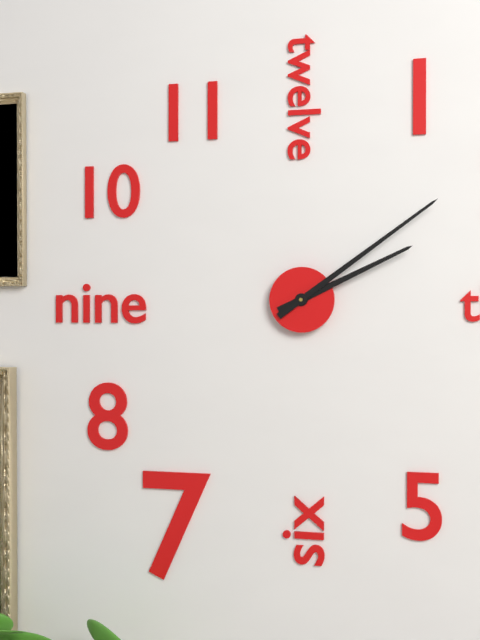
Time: h=2 m=9
